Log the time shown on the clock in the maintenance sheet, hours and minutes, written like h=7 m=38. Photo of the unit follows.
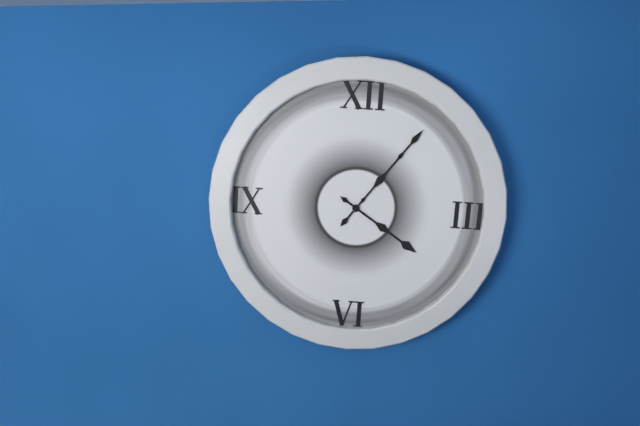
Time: h=4 m=6
